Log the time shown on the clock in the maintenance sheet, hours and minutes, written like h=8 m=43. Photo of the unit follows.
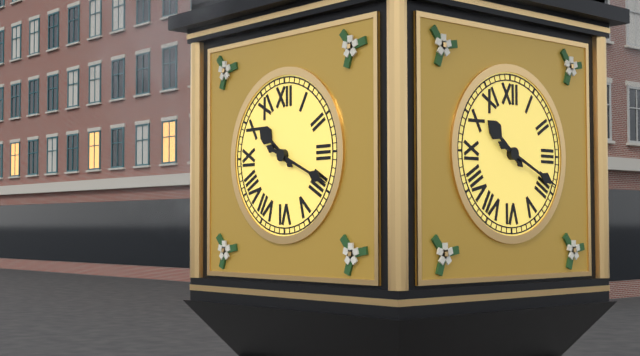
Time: h=10 m=19
